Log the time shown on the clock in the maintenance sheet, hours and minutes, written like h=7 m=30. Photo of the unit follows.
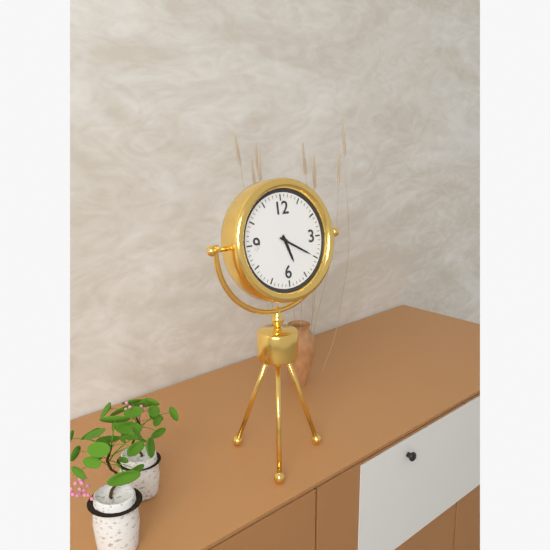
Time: h=5 m=20
